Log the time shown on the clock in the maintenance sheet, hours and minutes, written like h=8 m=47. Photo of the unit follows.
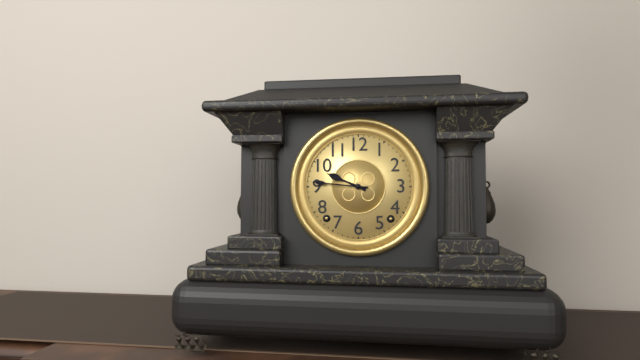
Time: h=9 m=46
